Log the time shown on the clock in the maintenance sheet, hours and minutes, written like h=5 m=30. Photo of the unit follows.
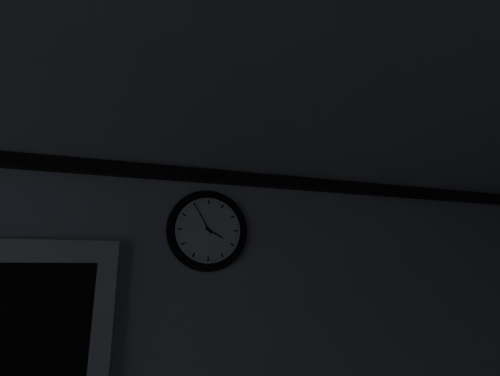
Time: h=3 m=55
